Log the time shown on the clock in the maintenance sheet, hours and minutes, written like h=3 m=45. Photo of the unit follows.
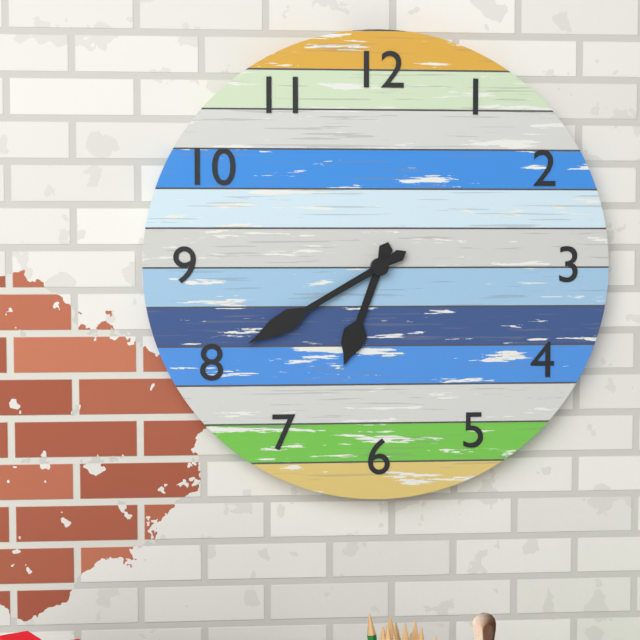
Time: h=6 m=40
